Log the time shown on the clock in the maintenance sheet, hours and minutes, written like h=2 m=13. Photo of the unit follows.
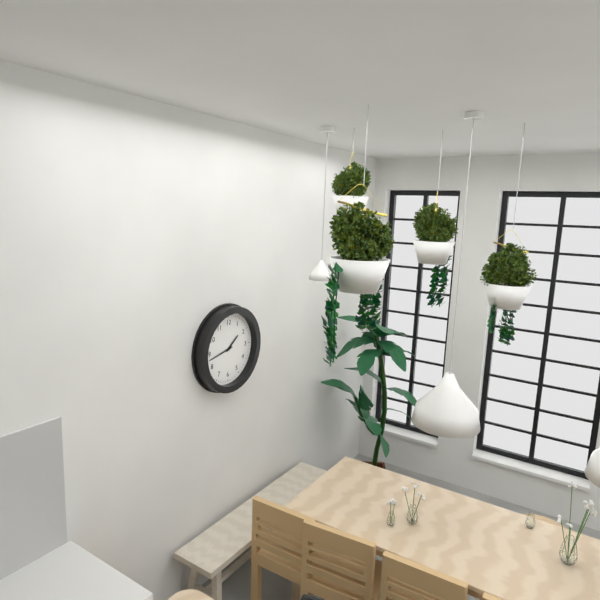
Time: h=1 m=43
